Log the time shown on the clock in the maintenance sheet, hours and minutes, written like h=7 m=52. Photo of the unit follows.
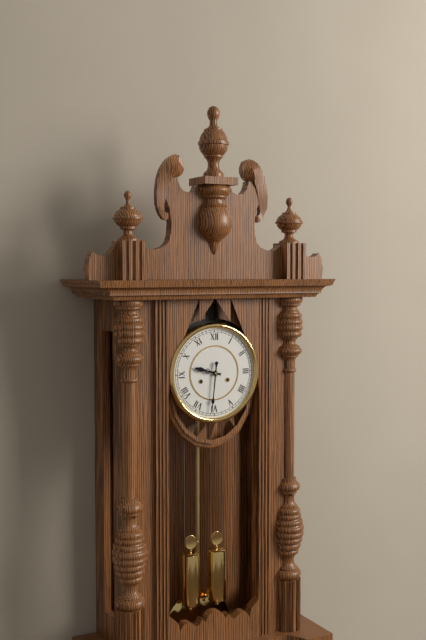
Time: h=9 m=31
